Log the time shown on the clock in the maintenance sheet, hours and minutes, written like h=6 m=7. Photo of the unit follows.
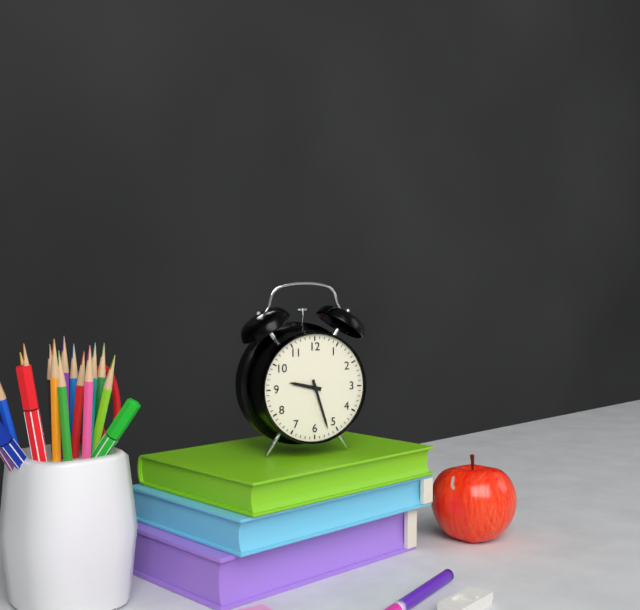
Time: h=9 m=27
